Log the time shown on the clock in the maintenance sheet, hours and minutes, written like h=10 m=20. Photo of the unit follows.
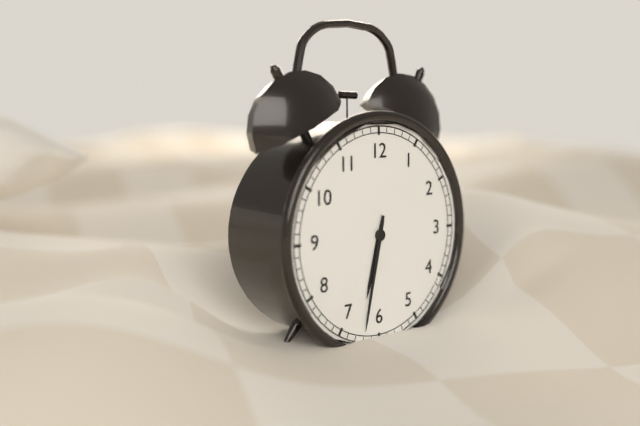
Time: h=6 m=32
